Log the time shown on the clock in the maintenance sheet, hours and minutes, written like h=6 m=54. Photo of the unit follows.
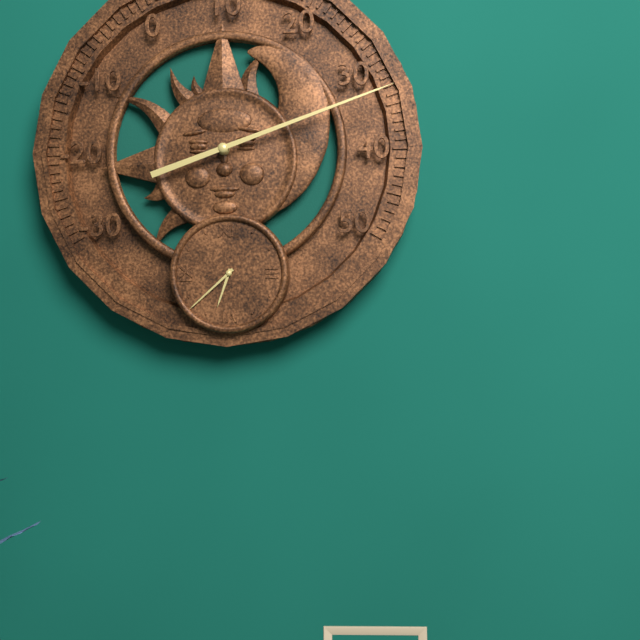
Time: h=6 m=38
